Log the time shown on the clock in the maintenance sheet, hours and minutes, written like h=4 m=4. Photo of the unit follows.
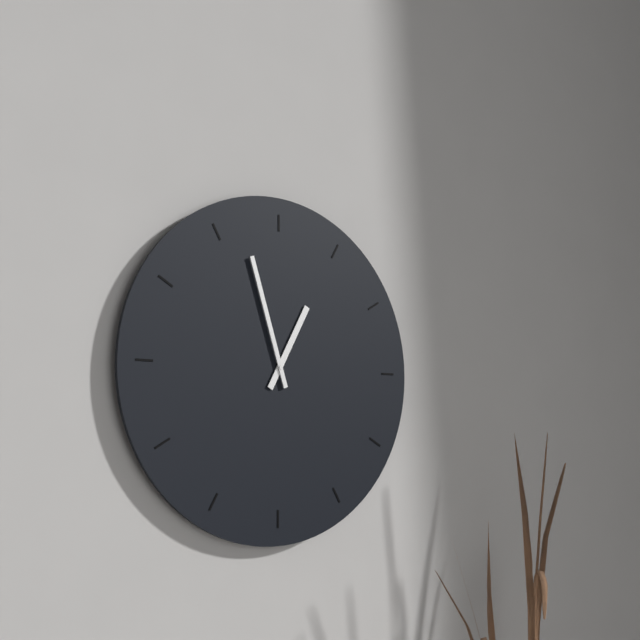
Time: h=12 m=57
